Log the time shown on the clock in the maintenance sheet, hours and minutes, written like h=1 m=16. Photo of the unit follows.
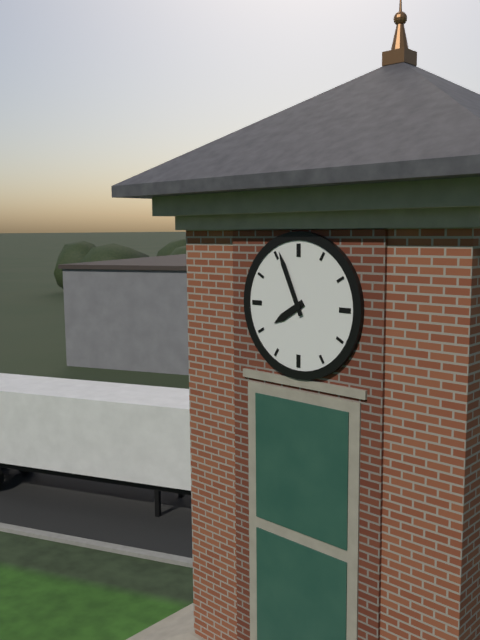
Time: h=7 m=56
